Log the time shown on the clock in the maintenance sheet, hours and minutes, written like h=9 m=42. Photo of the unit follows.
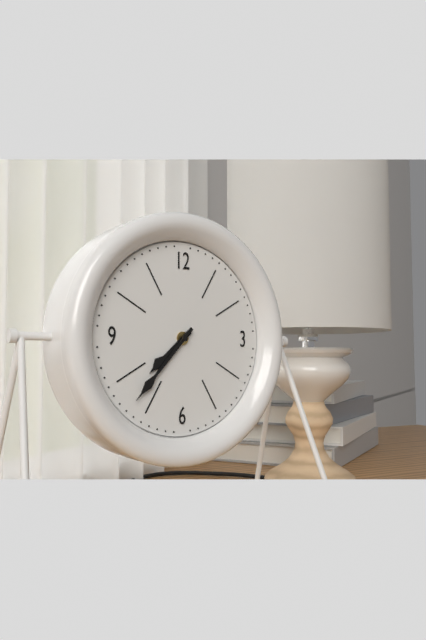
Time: h=7 m=37
